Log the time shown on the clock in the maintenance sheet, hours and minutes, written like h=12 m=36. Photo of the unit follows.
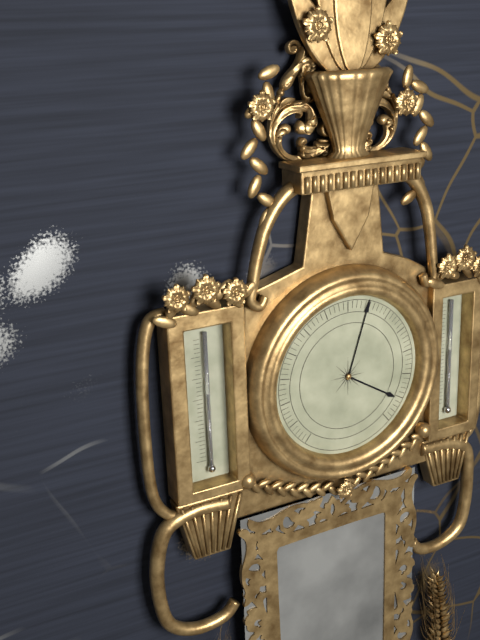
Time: h=4 m=3
